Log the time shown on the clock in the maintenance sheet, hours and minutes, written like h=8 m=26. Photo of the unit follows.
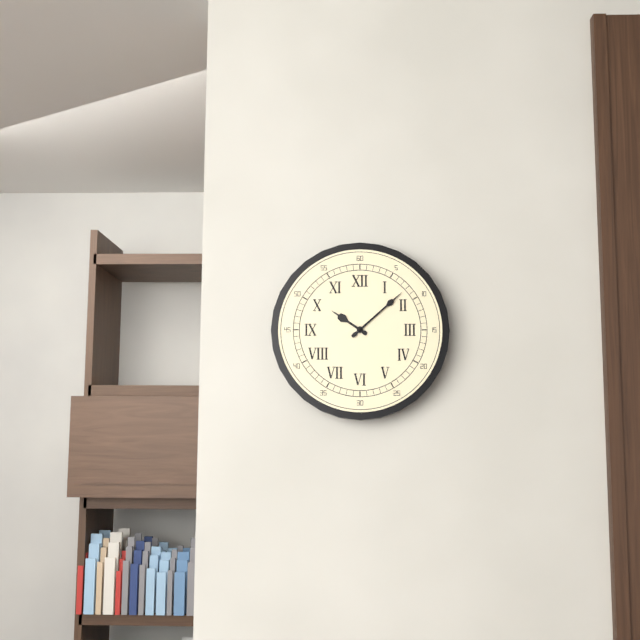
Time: h=10 m=8
